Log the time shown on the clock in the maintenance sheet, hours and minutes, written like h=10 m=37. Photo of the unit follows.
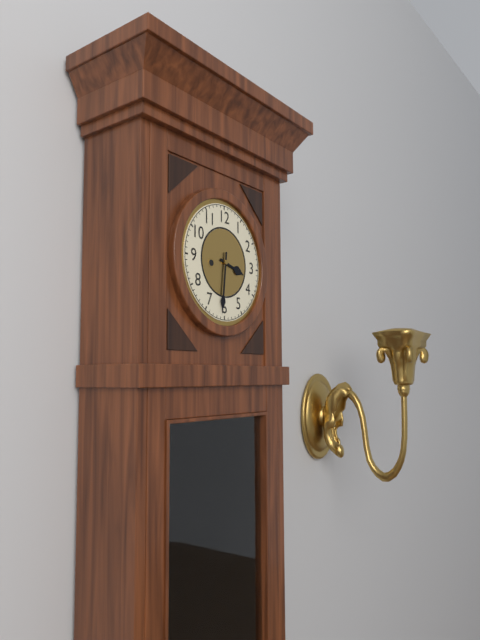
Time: h=3 m=31
